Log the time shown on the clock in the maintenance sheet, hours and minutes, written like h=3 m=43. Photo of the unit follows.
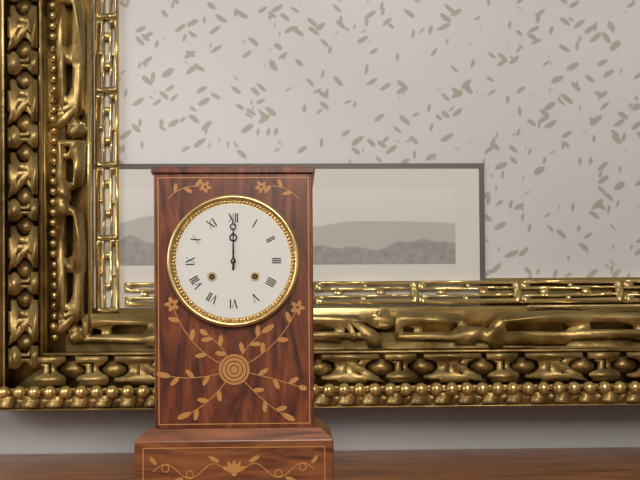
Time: h=12 m=0
